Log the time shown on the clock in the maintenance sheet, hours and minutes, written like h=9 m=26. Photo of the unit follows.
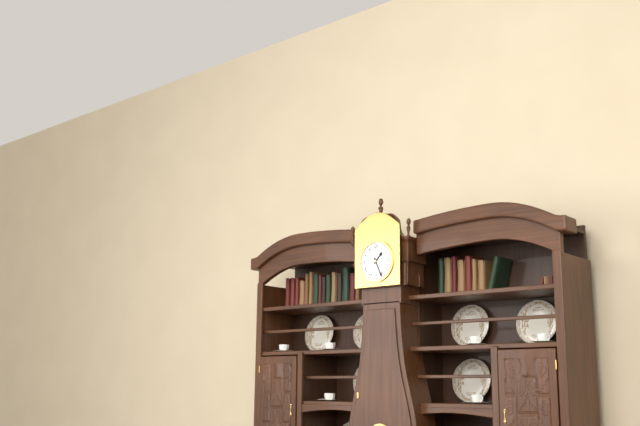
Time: h=1 m=26
